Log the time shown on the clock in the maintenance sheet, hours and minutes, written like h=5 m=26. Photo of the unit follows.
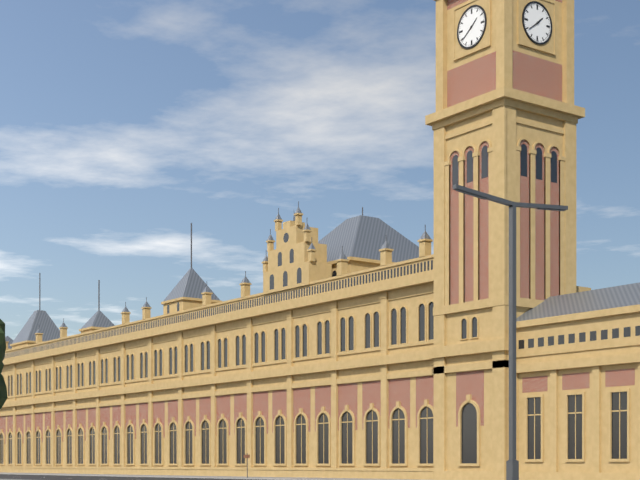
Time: h=1 m=39
